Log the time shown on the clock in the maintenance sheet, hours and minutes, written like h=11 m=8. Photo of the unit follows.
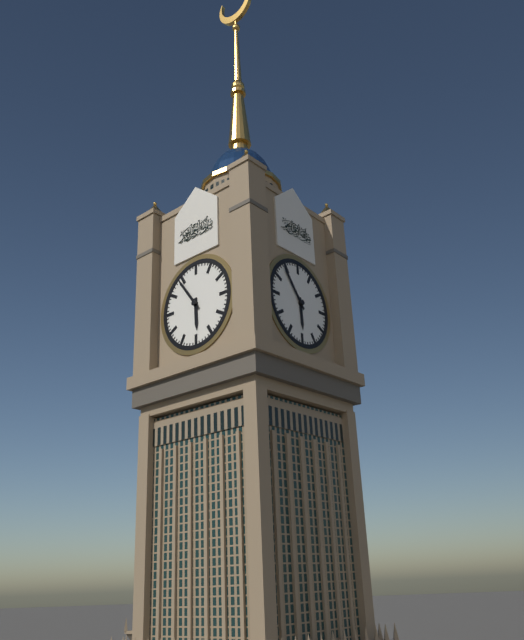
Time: h=5 m=54
